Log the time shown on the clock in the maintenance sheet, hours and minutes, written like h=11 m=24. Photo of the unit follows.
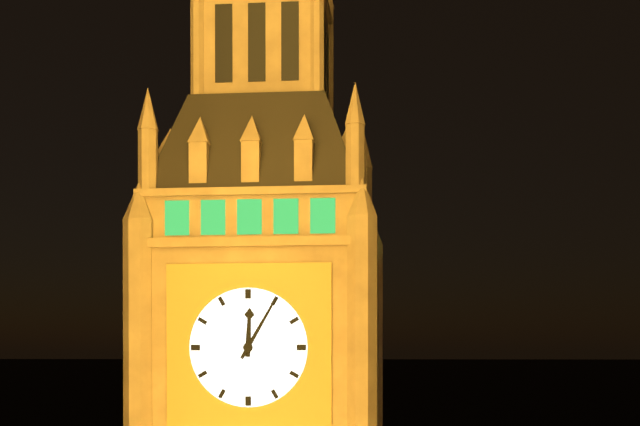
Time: h=12 m=5
